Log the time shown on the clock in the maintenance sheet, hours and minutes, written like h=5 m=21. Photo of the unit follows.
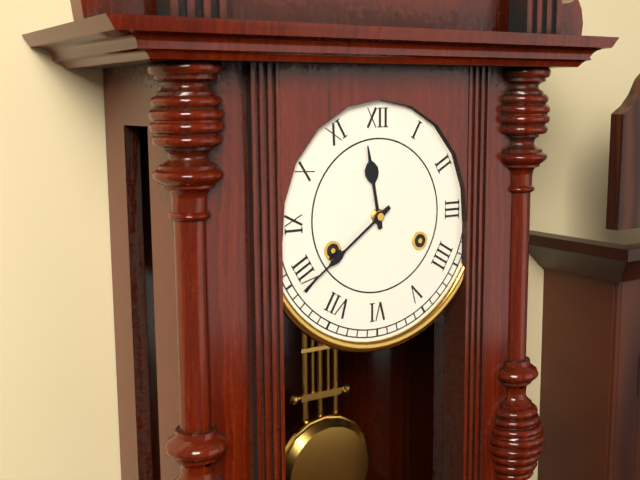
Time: h=11 m=39
